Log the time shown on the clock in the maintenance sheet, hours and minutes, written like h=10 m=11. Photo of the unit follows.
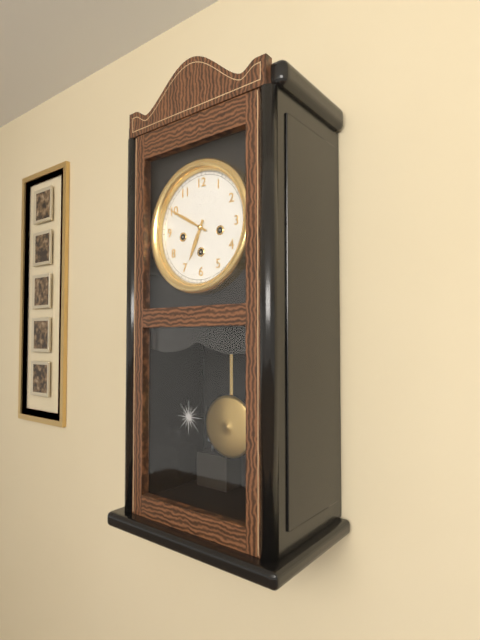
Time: h=6 m=50
